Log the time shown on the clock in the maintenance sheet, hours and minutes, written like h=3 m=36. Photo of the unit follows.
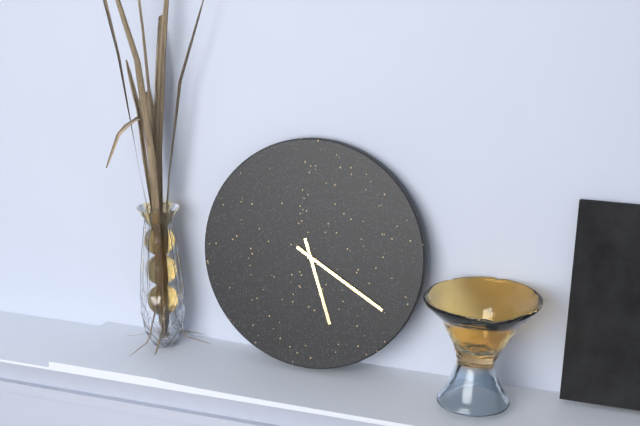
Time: h=5 m=20
